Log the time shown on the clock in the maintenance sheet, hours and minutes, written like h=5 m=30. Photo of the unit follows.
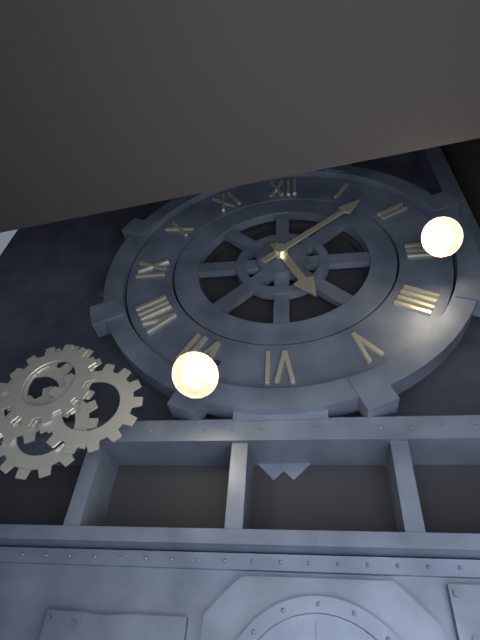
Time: h=5 m=8
